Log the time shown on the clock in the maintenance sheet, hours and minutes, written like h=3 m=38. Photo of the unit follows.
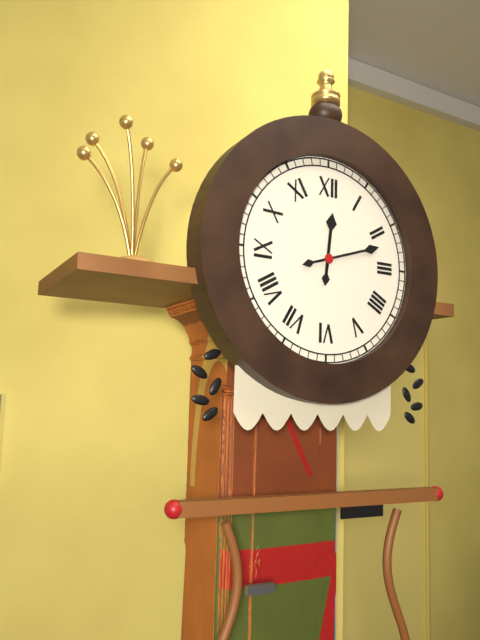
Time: h=12 m=12
